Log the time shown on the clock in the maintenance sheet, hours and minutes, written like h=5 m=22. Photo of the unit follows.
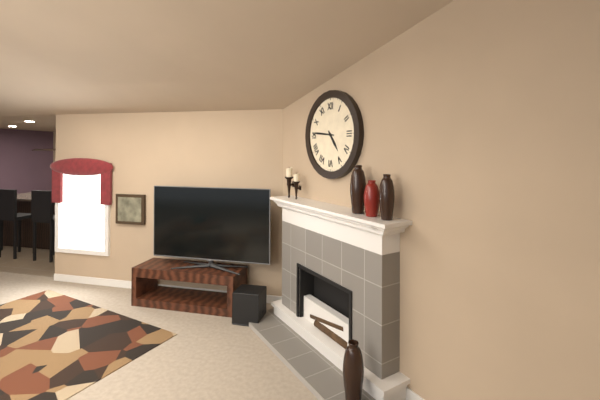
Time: h=4 m=46
